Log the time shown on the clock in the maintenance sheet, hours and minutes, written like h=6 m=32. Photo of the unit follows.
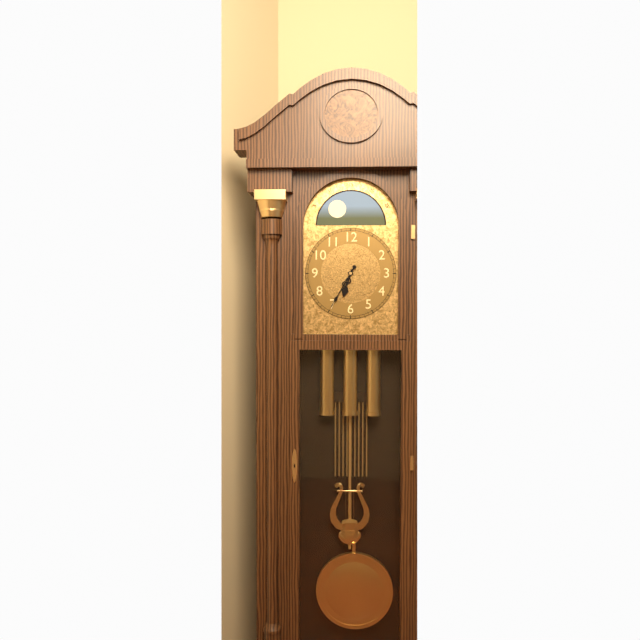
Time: h=6 m=35
